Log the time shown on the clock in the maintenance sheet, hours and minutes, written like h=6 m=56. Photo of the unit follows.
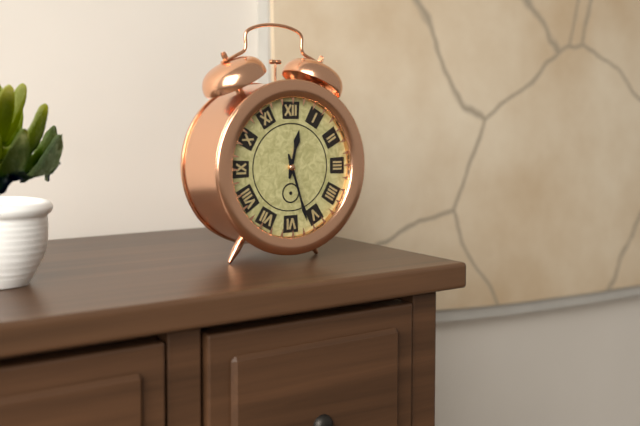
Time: h=12 m=27
